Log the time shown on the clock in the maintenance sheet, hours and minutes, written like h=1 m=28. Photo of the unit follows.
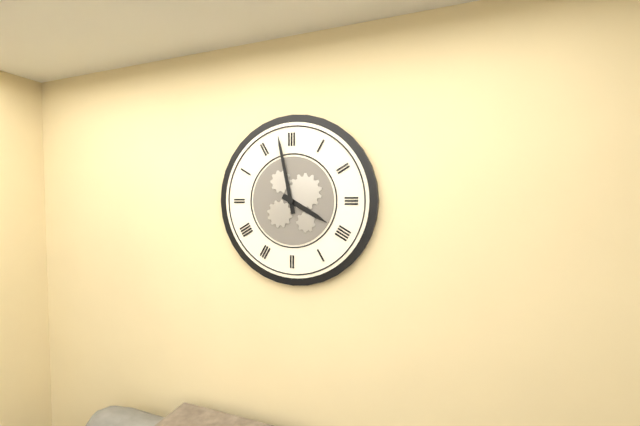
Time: h=3 m=58
